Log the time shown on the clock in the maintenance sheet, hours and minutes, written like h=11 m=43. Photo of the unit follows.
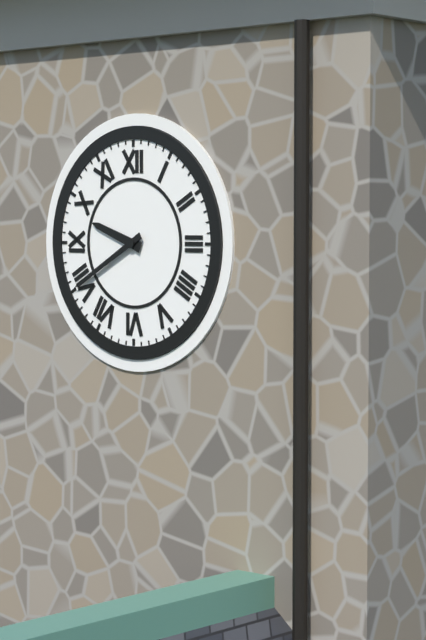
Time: h=9 m=40
